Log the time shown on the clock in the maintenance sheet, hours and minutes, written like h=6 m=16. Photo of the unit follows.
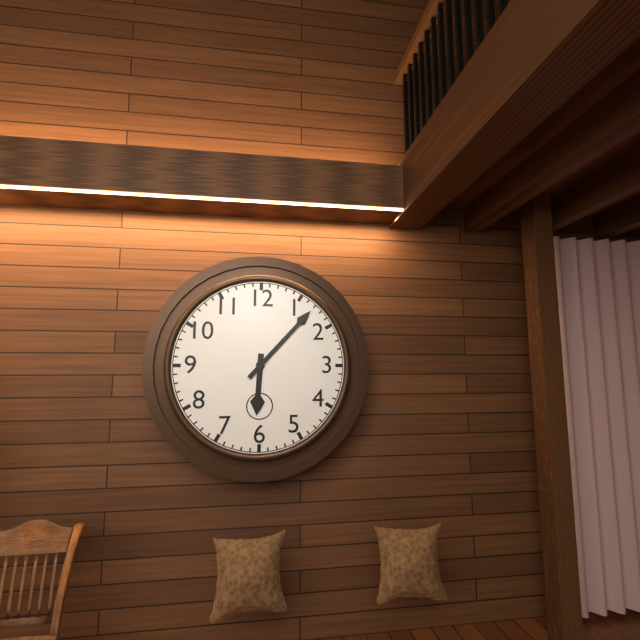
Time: h=6 m=7
